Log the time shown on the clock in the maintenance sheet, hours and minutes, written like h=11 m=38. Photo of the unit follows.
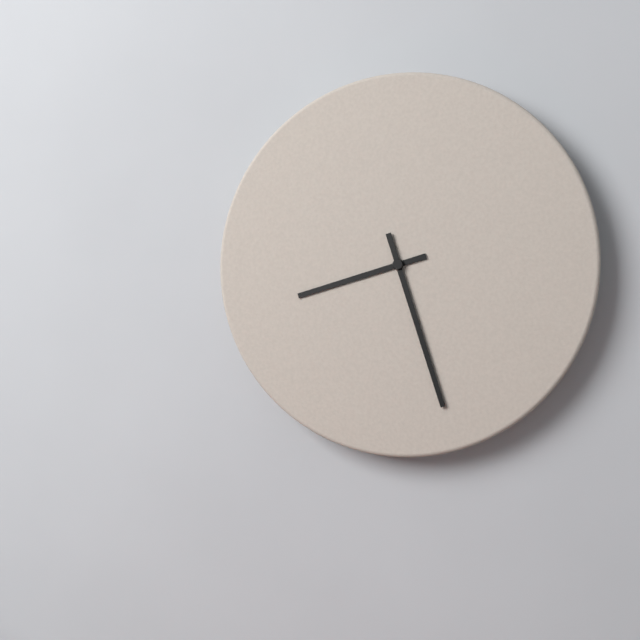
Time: h=8 m=27
